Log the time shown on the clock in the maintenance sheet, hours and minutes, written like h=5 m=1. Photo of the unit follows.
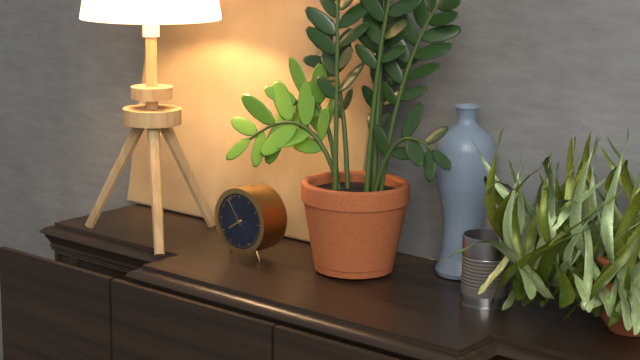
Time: h=7 m=54
